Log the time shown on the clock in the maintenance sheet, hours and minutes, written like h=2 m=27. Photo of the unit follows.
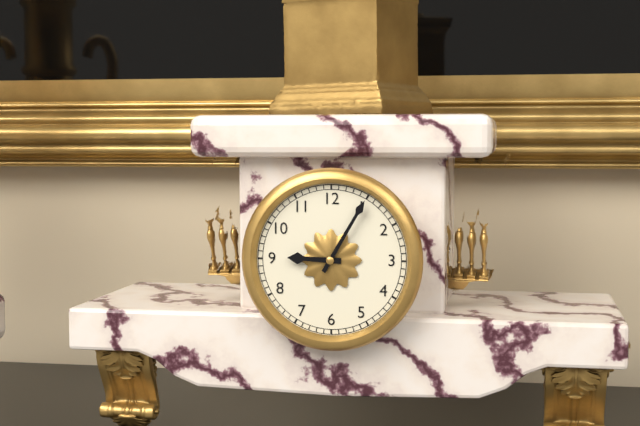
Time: h=9 m=5
